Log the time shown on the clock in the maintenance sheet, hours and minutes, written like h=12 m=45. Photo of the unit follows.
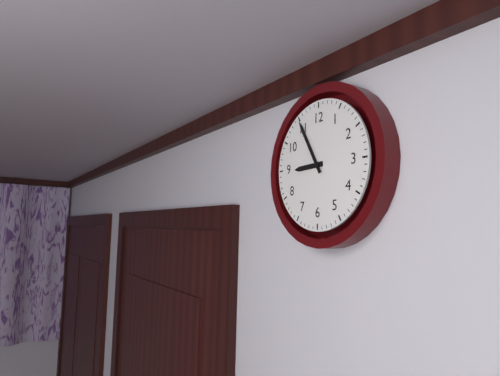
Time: h=8 m=55
